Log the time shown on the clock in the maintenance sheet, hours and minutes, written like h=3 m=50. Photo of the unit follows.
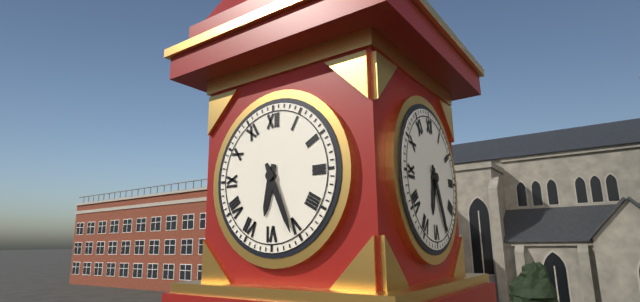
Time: h=6 m=26
